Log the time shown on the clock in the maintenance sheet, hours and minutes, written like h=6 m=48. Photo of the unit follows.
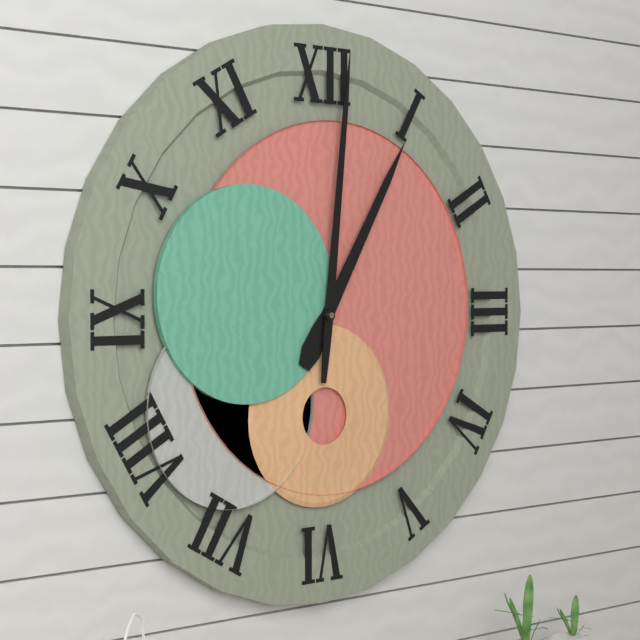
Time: h=1 m=1
